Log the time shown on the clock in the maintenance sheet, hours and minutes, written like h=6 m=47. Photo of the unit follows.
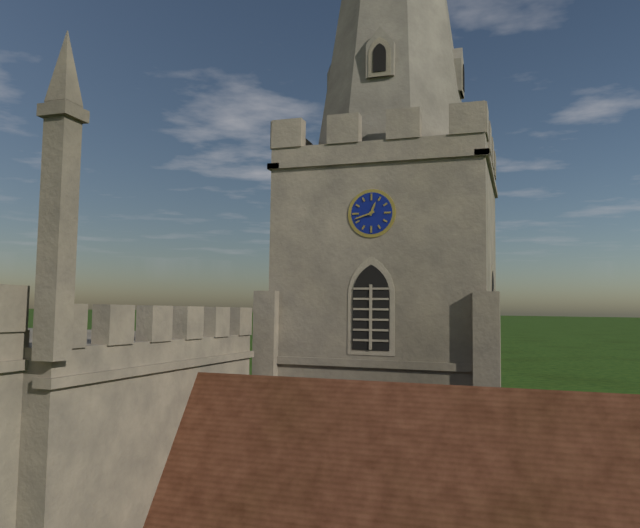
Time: h=12 m=42
